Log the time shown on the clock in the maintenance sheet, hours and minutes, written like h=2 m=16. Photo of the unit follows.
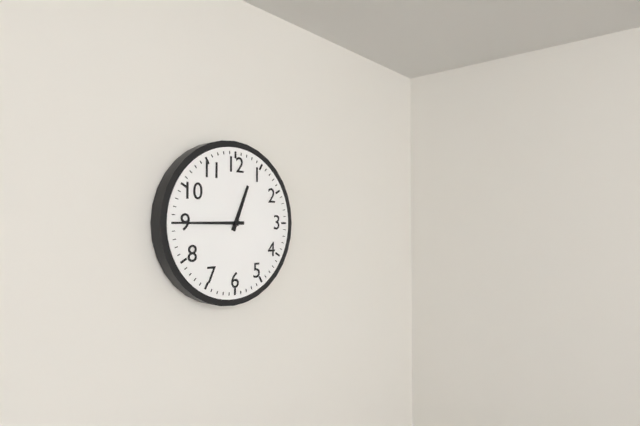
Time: h=12 m=45
